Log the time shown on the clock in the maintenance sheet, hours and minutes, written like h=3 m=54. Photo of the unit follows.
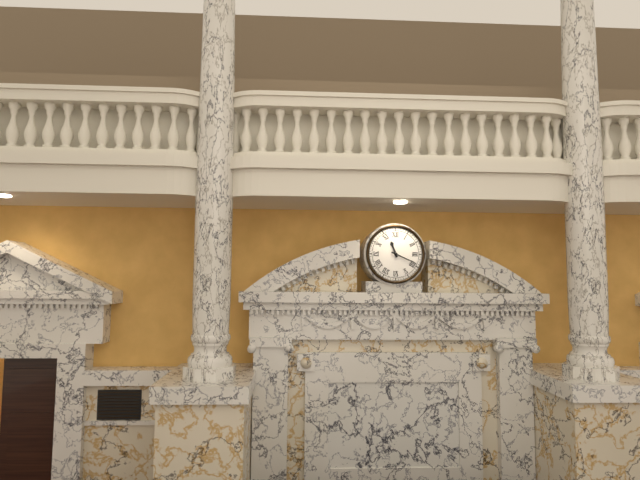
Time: h=11 m=19
